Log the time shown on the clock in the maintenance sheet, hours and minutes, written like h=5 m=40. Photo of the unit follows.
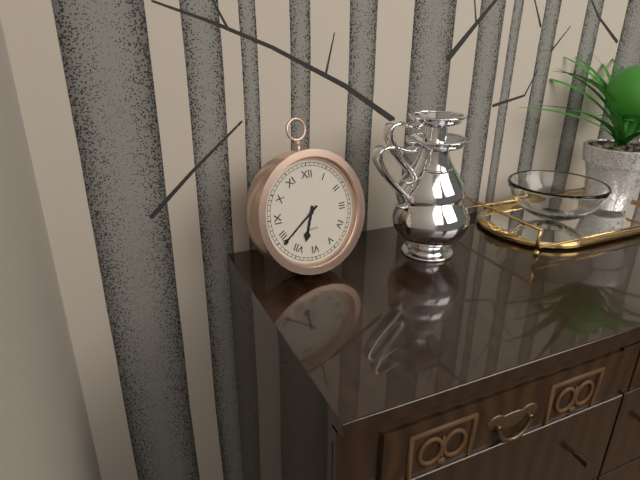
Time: h=6 m=39
